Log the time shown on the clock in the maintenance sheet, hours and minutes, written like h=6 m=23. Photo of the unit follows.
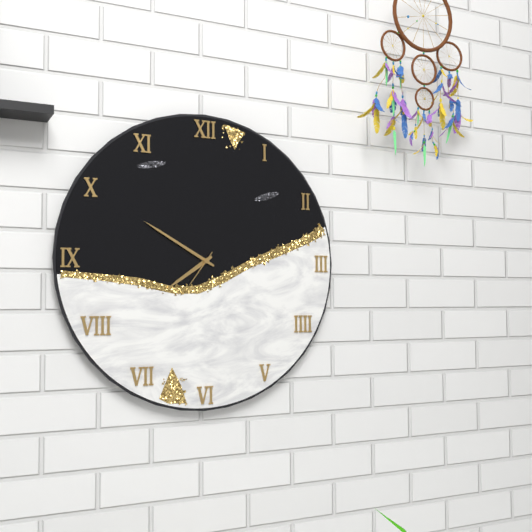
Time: h=7 m=50
